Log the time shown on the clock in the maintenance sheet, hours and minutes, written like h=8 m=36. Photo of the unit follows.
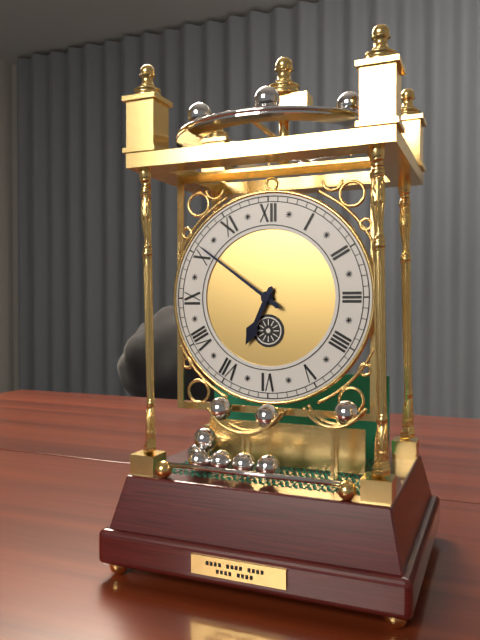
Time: h=6 m=51
